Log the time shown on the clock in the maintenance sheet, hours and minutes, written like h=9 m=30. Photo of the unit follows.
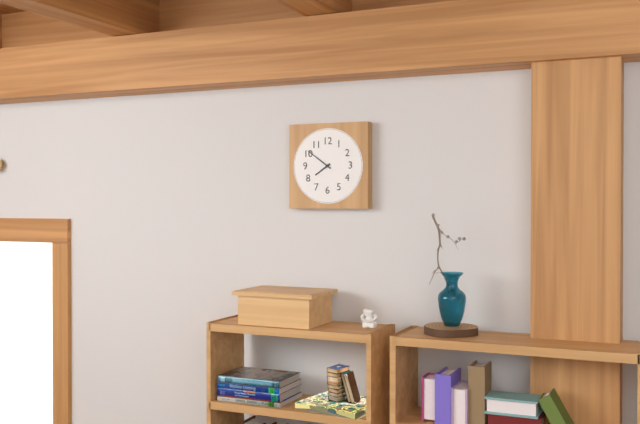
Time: h=7 m=51
